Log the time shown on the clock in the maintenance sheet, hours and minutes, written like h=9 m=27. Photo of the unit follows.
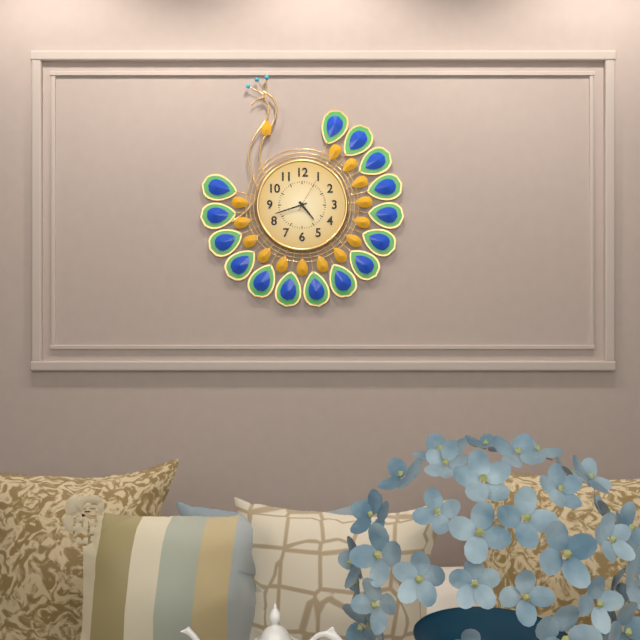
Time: h=4 m=42
